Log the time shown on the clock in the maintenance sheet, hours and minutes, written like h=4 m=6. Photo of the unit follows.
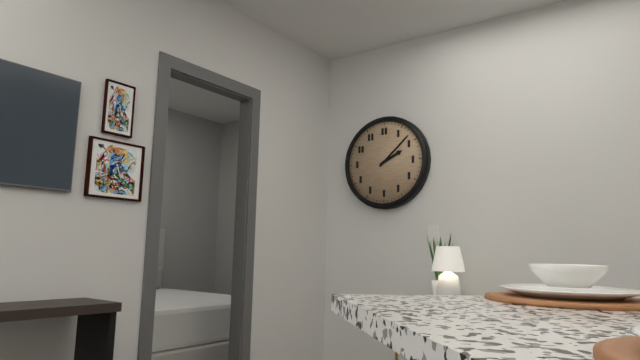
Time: h=2 m=8
